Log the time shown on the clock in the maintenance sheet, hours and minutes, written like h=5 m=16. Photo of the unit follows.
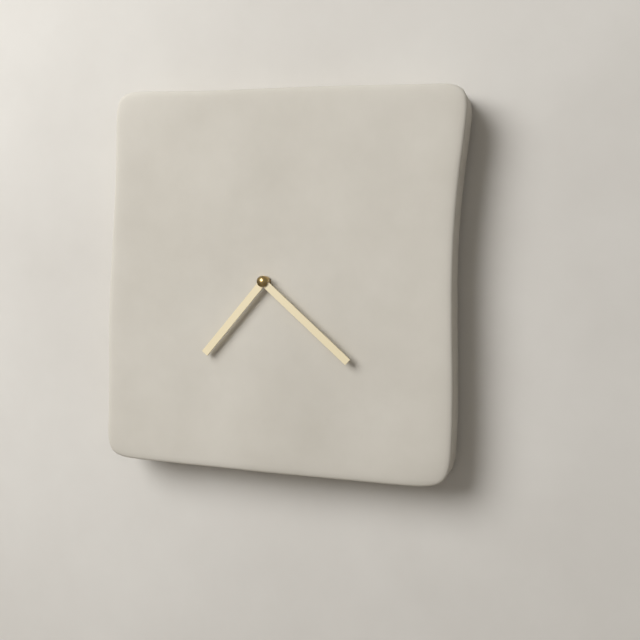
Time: h=7 m=22
